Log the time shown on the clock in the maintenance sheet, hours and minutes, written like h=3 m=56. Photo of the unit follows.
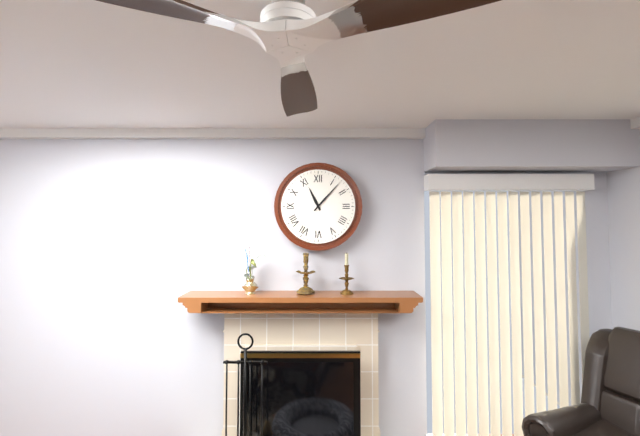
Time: h=11 m=7
